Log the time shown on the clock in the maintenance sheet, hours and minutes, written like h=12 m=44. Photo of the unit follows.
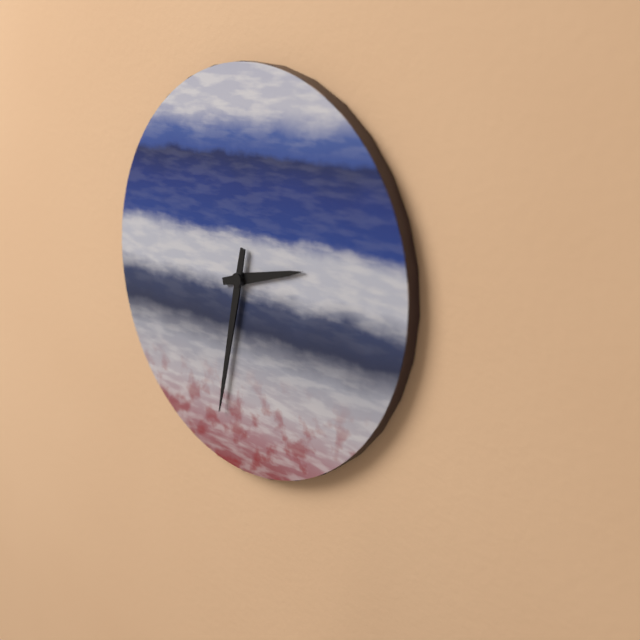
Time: h=2 m=32
